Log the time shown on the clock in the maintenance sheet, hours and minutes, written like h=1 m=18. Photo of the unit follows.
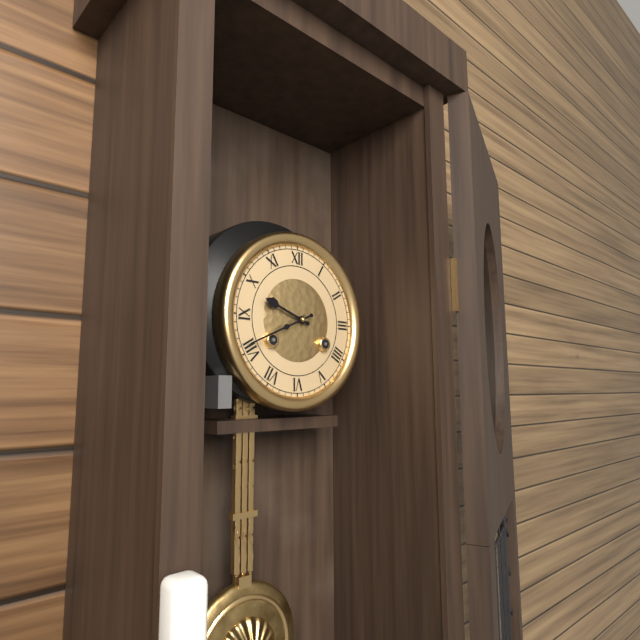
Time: h=9 m=41
